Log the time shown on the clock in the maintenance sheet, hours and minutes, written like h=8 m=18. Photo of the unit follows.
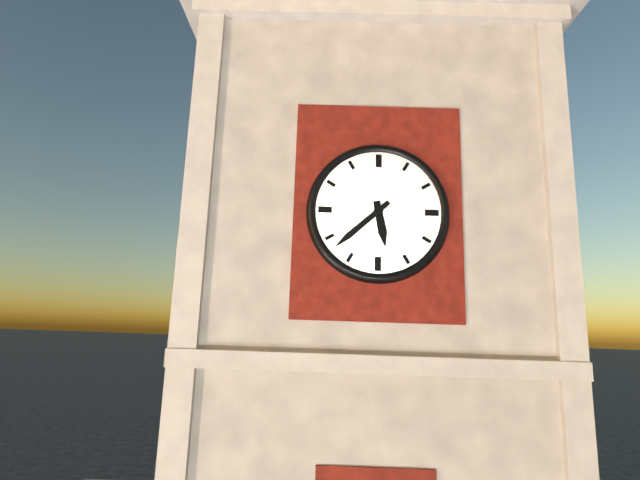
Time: h=5 m=38
